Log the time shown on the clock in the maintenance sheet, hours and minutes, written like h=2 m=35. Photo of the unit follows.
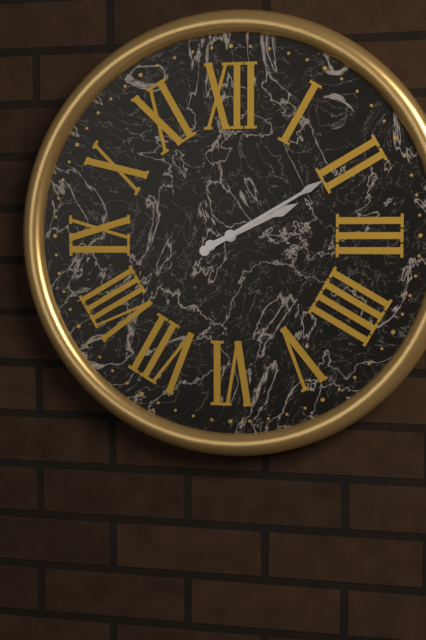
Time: h=2 m=10
